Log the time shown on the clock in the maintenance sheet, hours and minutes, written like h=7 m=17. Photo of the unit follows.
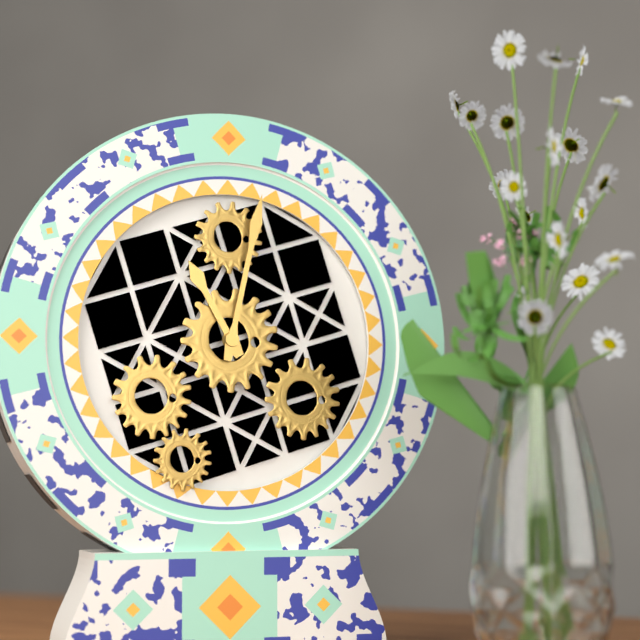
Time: h=11 m=2
